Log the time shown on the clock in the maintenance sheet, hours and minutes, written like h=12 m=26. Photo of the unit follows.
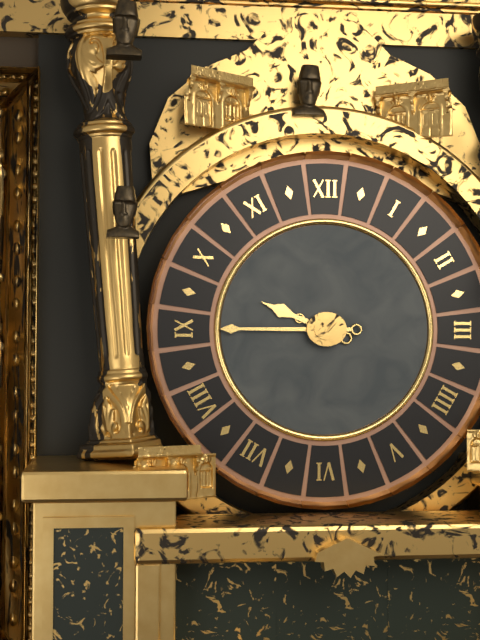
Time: h=9 m=45
